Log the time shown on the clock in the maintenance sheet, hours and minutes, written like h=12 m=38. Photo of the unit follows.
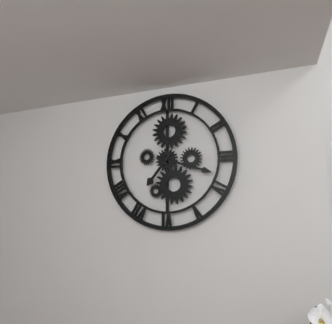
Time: h=7 m=18
